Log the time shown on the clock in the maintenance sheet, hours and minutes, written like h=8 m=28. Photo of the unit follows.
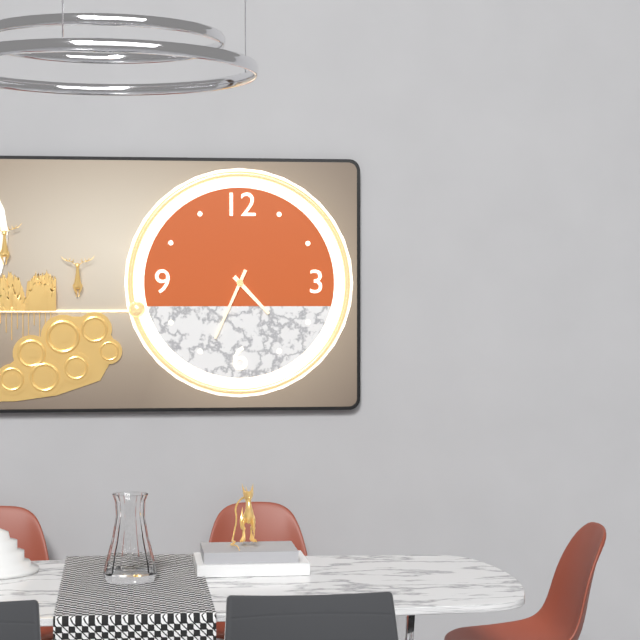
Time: h=4 m=34
